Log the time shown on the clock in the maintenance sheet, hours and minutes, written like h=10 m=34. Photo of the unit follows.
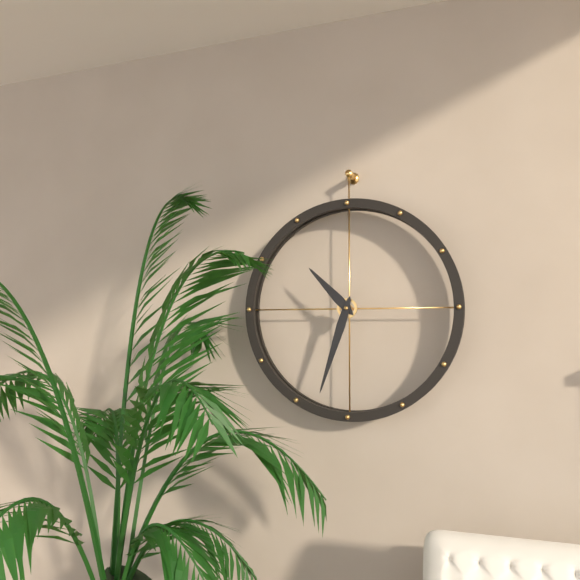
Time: h=10 m=33
